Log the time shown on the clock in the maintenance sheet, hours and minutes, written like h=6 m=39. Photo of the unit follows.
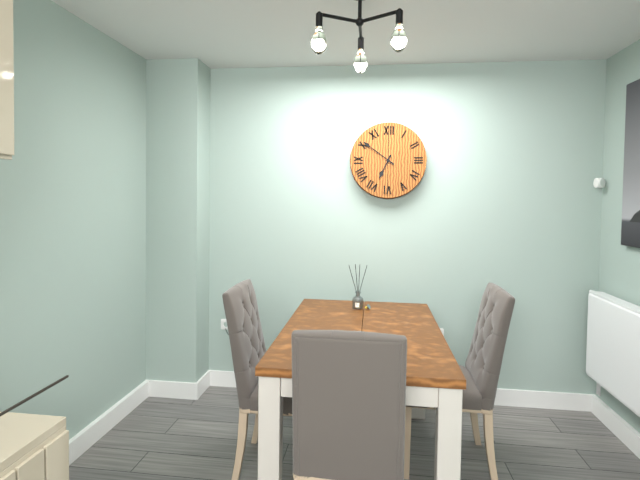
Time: h=6 m=51
